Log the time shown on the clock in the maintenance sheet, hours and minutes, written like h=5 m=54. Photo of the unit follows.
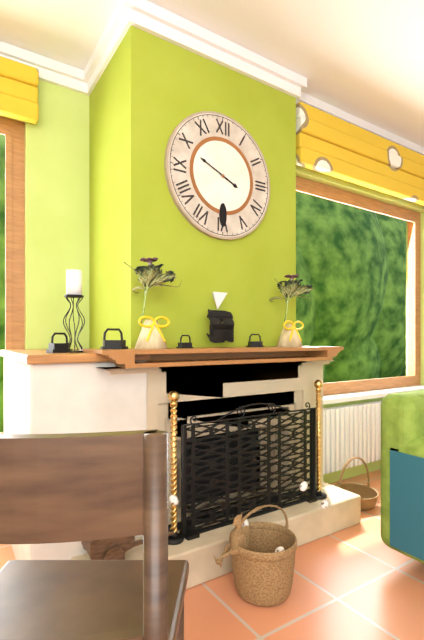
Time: h=3 m=49
